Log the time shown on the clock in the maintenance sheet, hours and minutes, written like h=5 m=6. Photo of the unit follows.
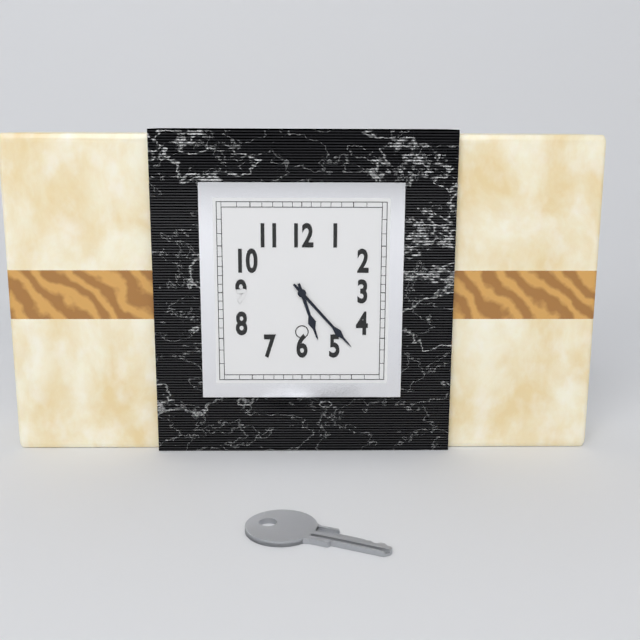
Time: h=5 m=23
